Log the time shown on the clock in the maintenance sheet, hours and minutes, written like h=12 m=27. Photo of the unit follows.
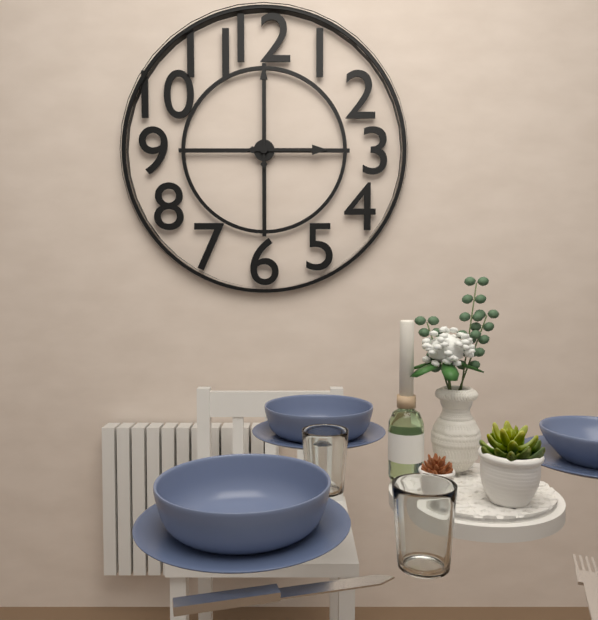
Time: h=3 m=0
